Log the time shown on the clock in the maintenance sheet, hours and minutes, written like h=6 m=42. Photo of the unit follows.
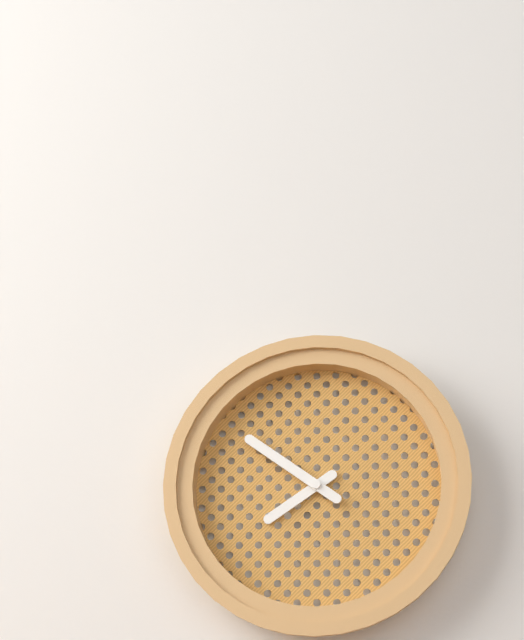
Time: h=7 m=51
